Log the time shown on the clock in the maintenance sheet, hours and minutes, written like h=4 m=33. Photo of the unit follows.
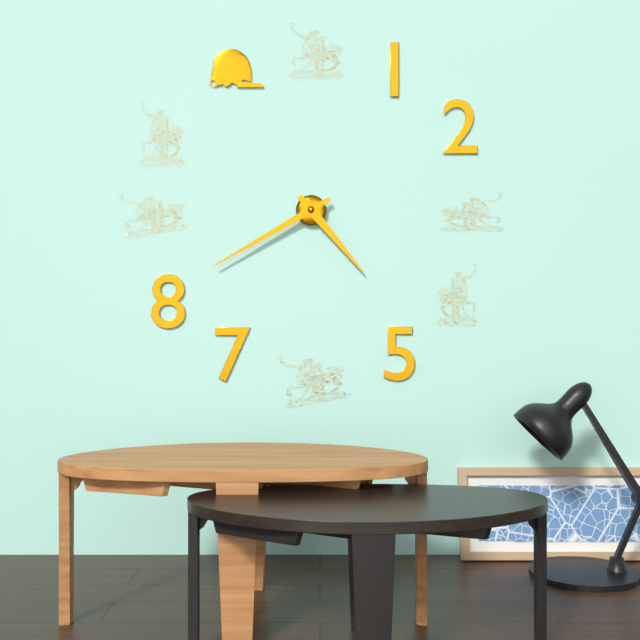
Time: h=4 m=40
